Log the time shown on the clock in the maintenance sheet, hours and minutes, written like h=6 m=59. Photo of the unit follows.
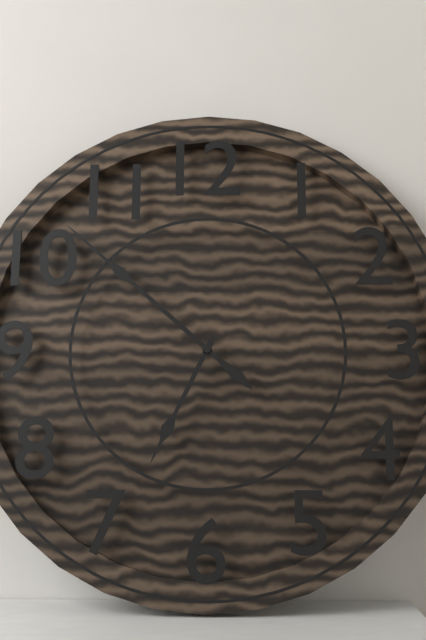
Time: h=6 m=52
